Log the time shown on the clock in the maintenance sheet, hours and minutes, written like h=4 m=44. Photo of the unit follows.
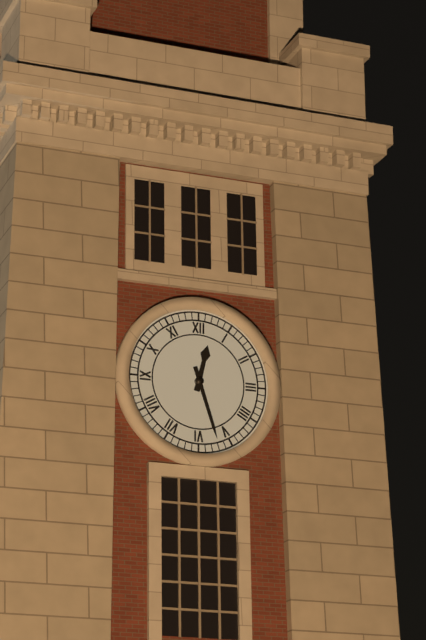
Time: h=12 m=27
